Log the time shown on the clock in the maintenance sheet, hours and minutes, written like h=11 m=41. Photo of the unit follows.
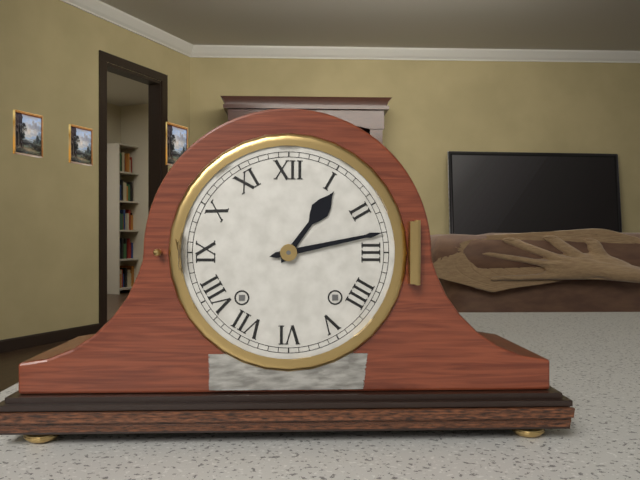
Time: h=1 m=13
